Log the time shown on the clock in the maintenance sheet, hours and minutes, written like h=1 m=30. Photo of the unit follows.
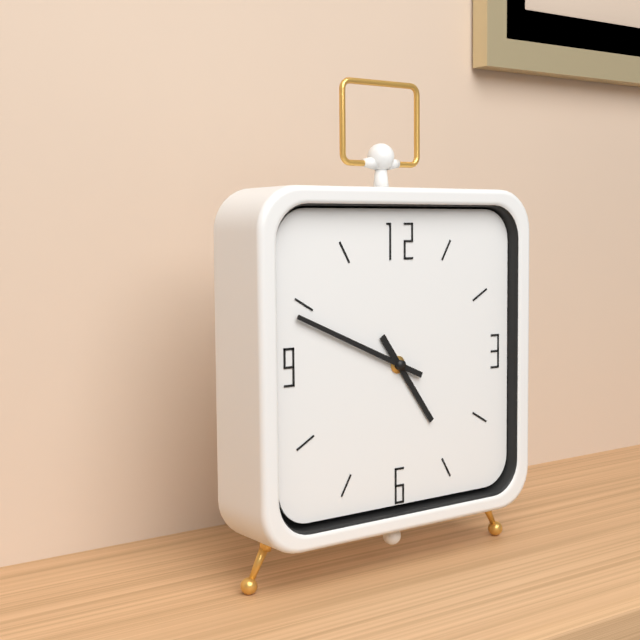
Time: h=4 m=49
